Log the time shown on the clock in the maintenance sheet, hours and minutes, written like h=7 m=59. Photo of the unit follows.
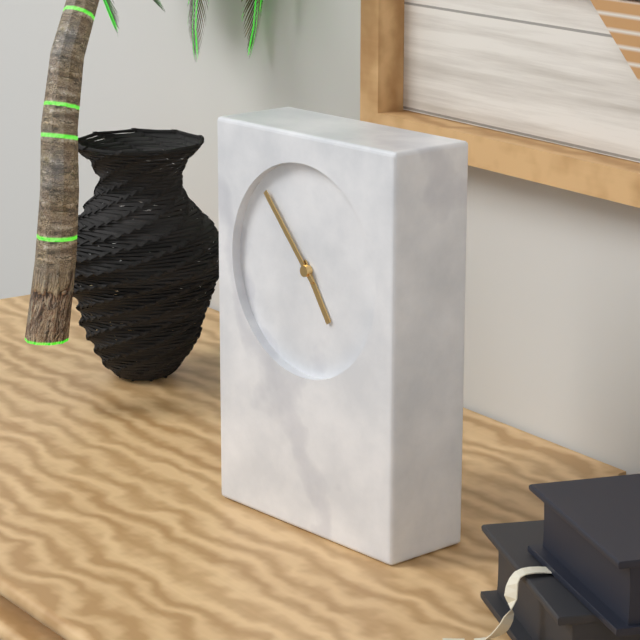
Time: h=4 m=53
